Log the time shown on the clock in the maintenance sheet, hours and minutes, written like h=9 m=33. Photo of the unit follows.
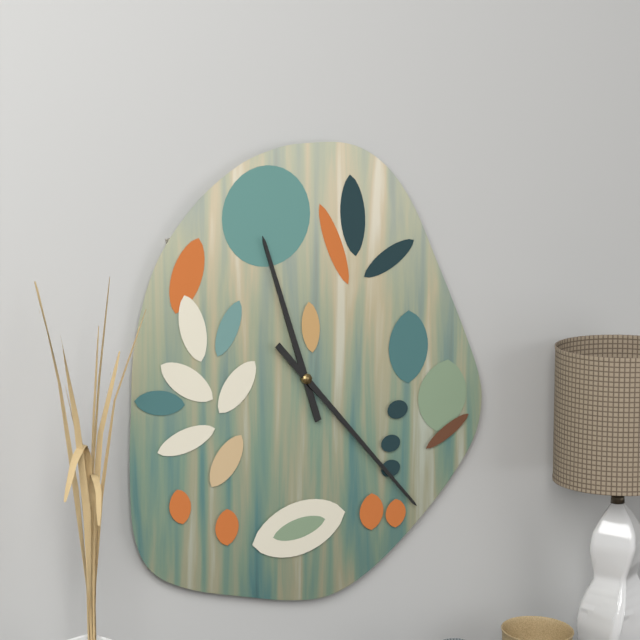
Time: h=11 m=23
